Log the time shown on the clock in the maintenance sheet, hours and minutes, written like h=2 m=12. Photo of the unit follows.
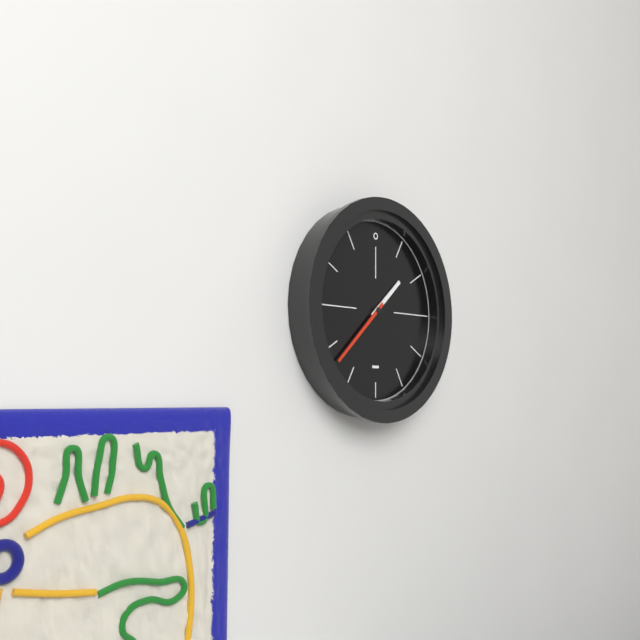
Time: h=1 m=38
